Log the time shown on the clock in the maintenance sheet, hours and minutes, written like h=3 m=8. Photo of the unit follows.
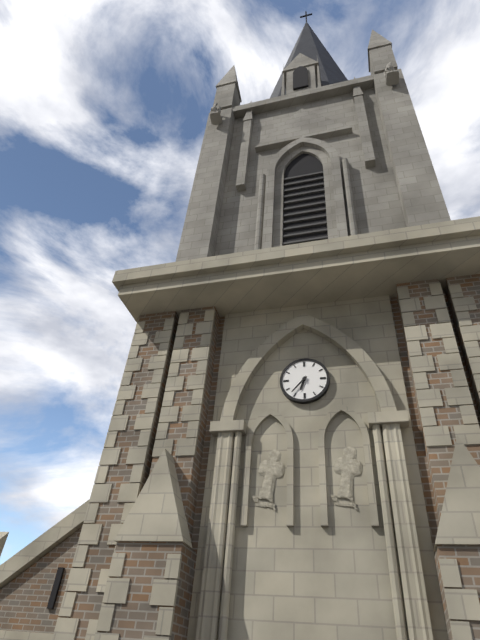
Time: h=6 m=37
